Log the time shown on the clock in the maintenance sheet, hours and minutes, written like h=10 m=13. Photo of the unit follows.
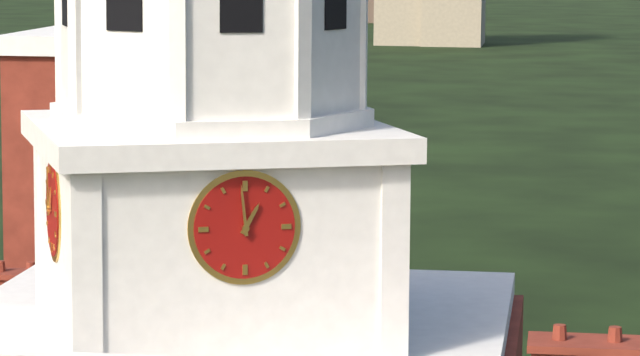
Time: h=12 m=59
